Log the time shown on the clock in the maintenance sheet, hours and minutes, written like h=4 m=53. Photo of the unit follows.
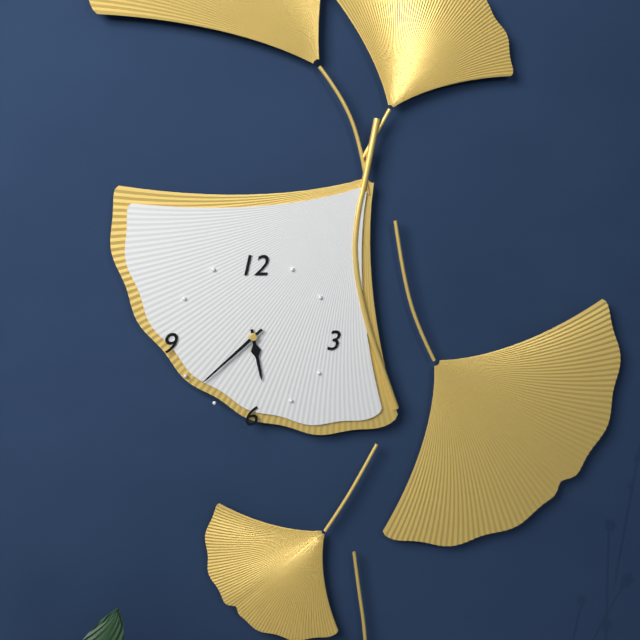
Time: h=5 m=38
